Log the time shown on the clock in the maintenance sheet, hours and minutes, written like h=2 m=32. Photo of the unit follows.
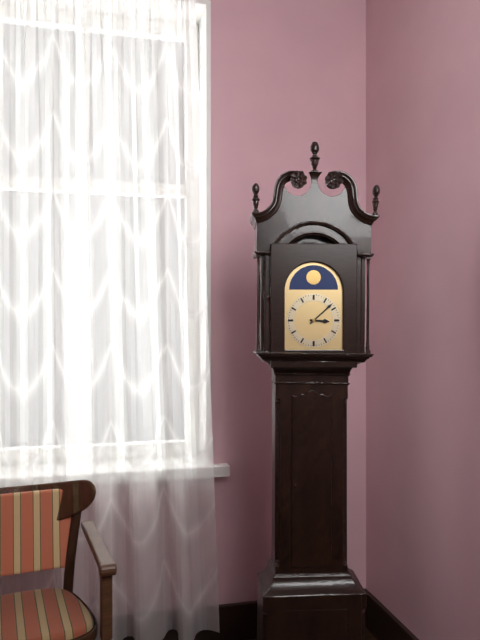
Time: h=3 m=8
